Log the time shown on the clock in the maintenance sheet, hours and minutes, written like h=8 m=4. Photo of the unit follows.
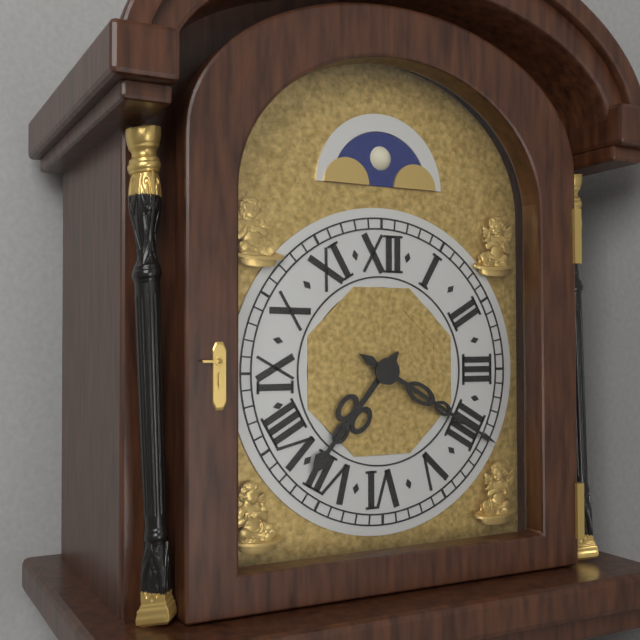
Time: h=7 m=20
